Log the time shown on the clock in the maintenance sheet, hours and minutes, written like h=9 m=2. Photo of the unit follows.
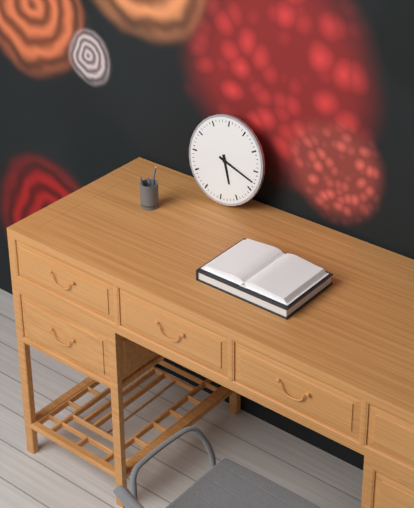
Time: h=5 m=18
